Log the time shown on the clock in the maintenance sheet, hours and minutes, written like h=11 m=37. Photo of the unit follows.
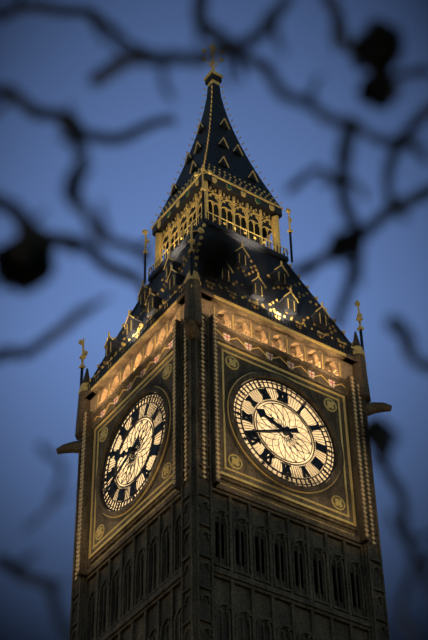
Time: h=9 m=41
